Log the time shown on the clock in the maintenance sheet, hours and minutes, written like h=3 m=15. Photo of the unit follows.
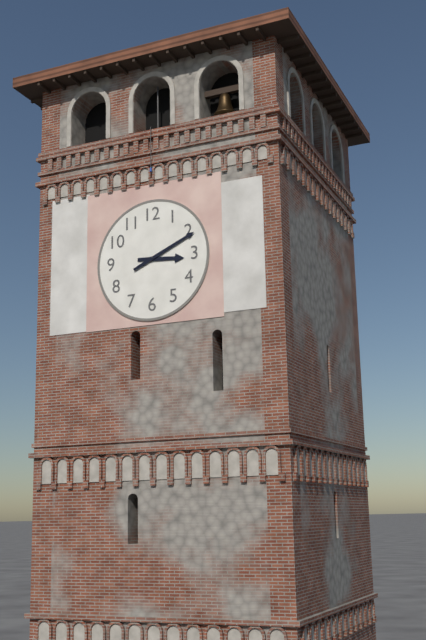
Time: h=3 m=11
